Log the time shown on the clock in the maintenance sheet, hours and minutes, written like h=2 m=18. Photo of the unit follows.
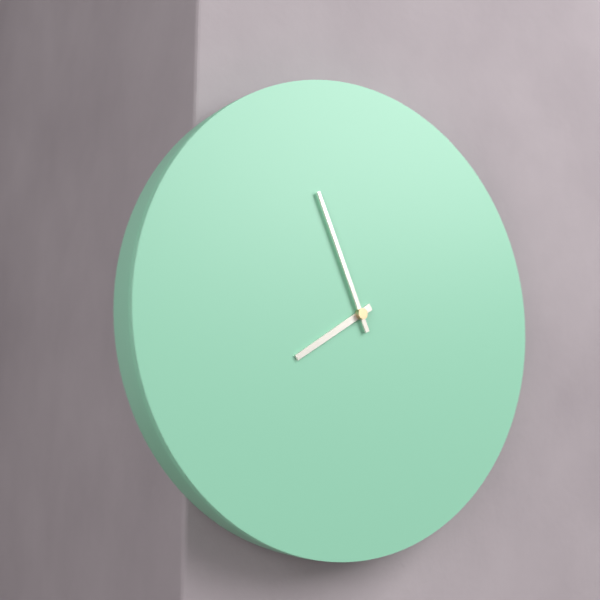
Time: h=7 m=56
